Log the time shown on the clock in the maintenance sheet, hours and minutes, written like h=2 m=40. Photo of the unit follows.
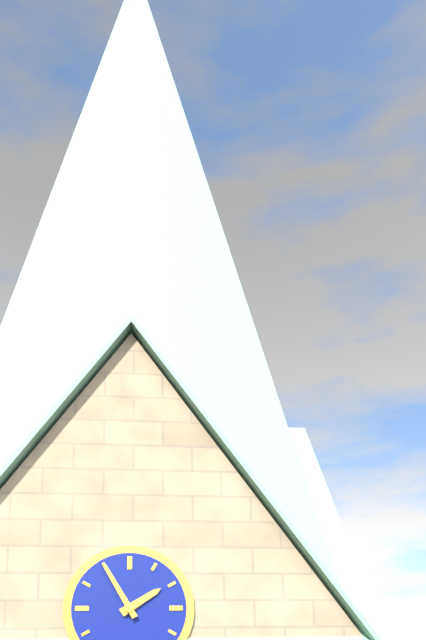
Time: h=1 m=55
